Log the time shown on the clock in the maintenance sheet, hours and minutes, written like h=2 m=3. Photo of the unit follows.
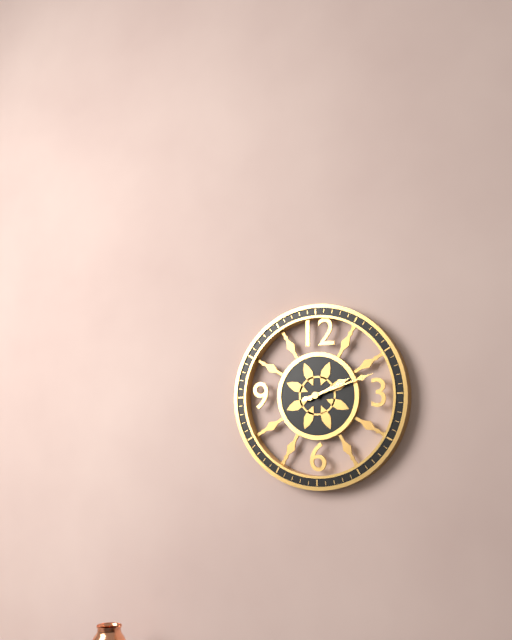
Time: h=2 m=12
